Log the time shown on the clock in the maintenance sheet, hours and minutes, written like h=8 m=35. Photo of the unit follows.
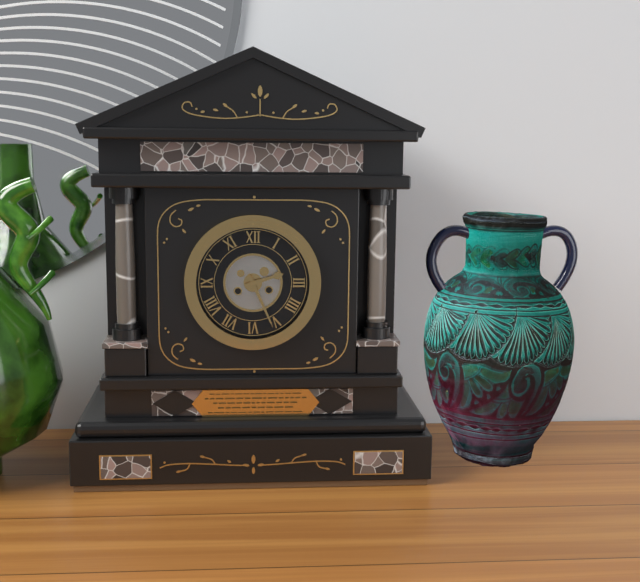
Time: h=2 m=26
